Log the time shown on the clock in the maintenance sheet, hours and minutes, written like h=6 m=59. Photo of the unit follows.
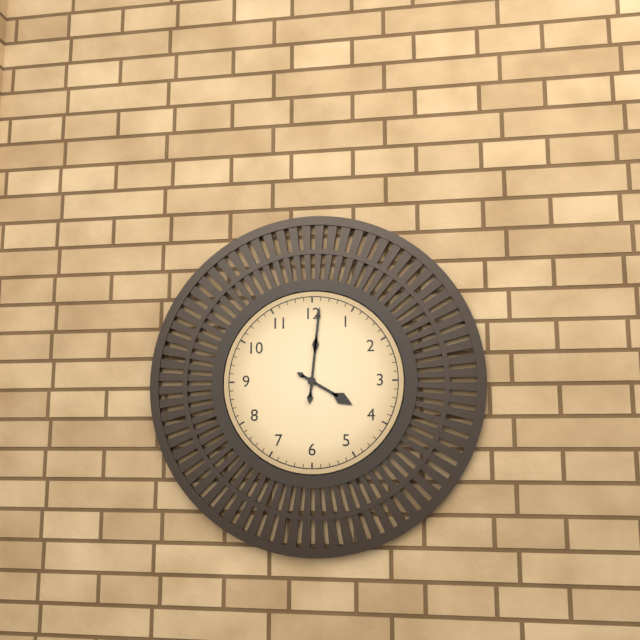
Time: h=4 m=1
